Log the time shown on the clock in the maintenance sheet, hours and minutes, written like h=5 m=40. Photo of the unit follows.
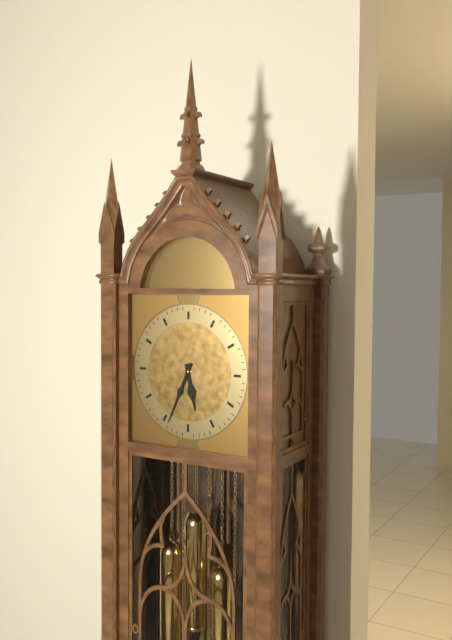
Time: h=5 m=34
